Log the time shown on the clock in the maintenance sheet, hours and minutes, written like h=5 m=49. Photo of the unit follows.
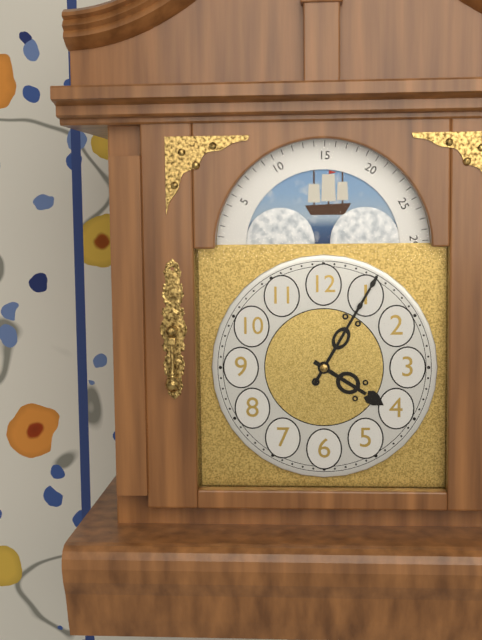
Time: h=4 m=5
